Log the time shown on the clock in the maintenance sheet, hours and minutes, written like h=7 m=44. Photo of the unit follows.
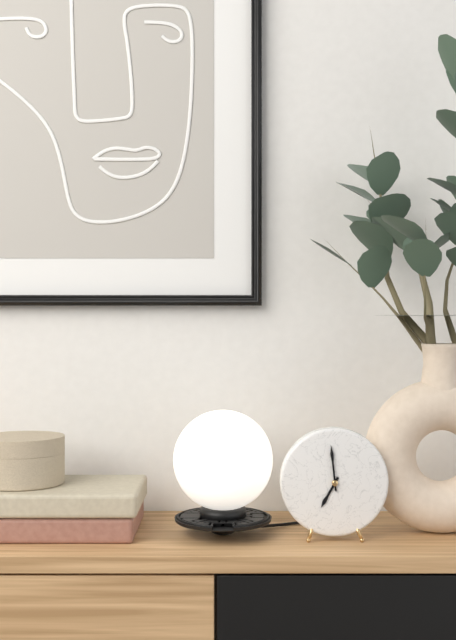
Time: h=6 m=59
